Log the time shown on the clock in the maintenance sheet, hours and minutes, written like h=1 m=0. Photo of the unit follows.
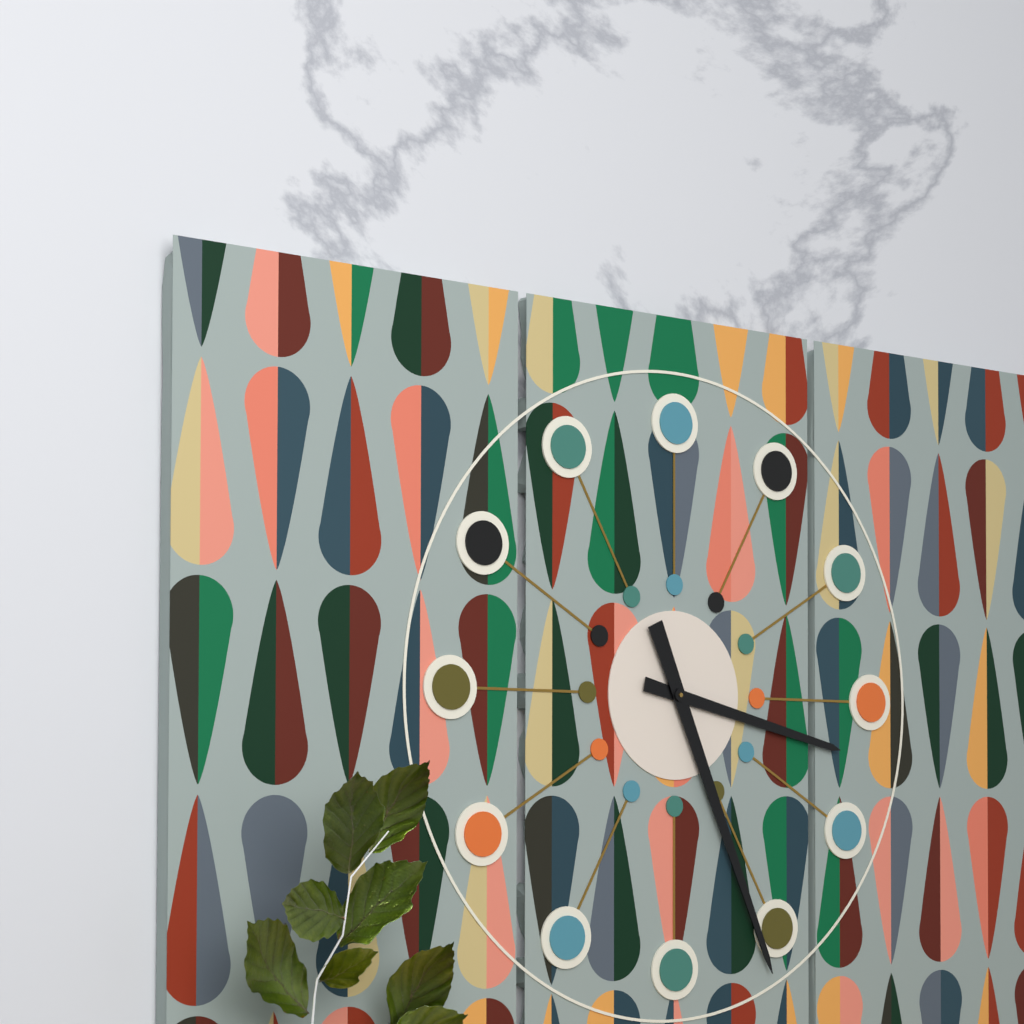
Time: h=3 m=26
